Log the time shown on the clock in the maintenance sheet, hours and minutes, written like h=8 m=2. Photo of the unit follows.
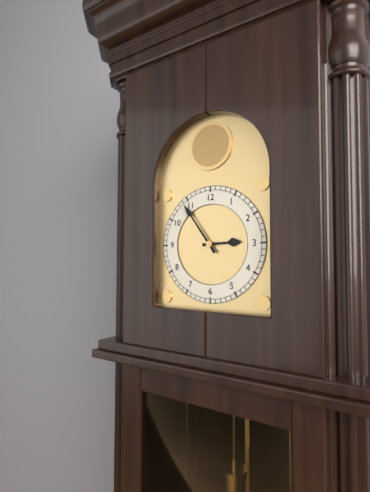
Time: h=2 m=54
